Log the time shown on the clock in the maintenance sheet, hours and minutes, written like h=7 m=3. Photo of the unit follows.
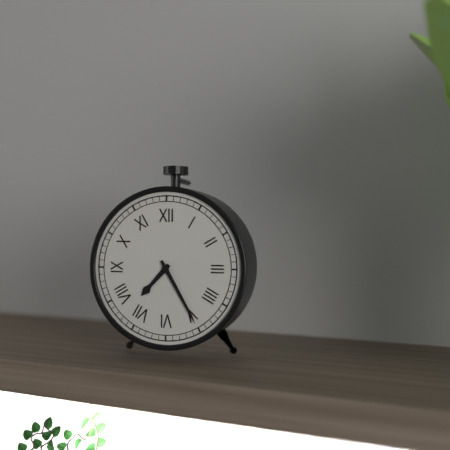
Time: h=7 m=25
